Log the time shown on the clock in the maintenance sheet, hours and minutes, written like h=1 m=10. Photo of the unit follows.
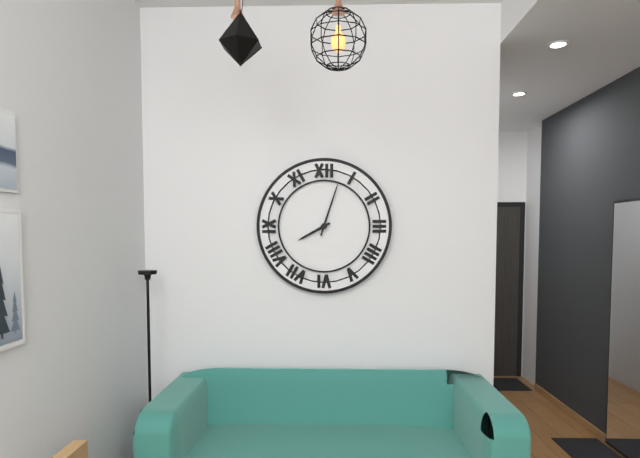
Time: h=8 m=3
